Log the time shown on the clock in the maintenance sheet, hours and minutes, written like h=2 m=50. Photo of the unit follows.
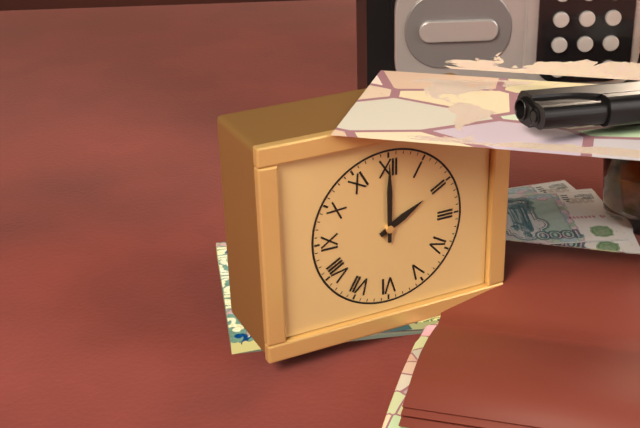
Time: h=2 m=0
